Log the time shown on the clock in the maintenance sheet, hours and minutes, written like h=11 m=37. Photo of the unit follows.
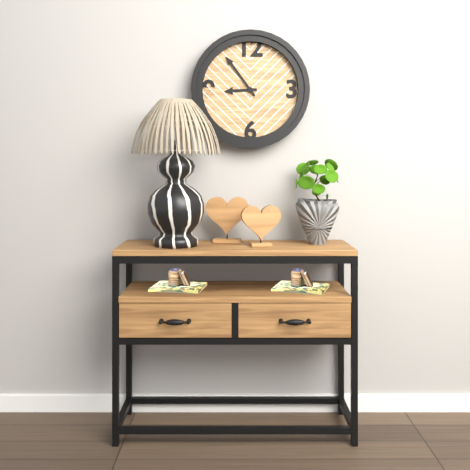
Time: h=8 m=54
